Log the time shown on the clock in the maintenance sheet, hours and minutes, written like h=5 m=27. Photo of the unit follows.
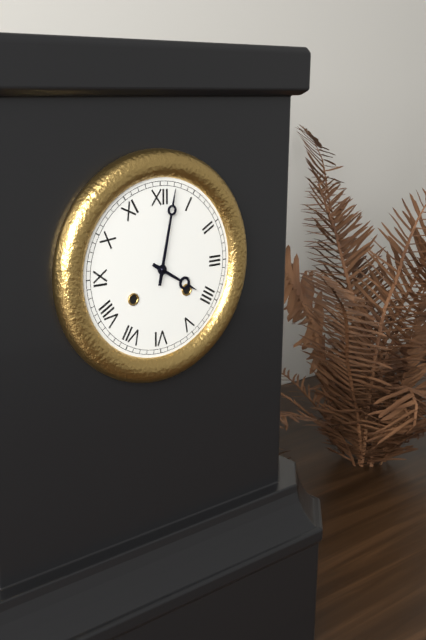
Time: h=4 m=2
